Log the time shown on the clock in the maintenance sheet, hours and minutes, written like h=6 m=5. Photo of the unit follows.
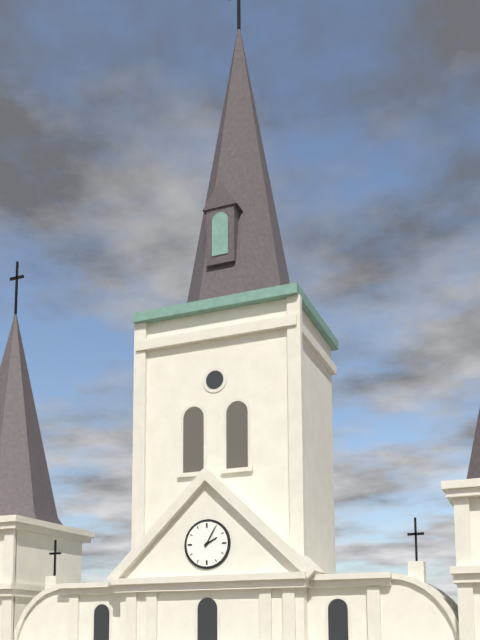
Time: h=2 m=5
